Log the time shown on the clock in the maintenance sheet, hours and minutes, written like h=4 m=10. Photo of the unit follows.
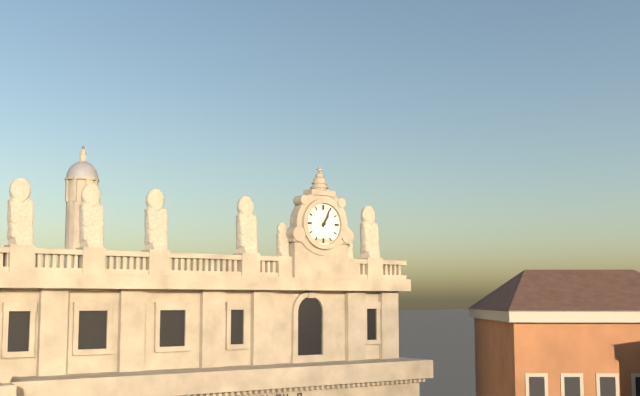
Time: h=1 m=4
